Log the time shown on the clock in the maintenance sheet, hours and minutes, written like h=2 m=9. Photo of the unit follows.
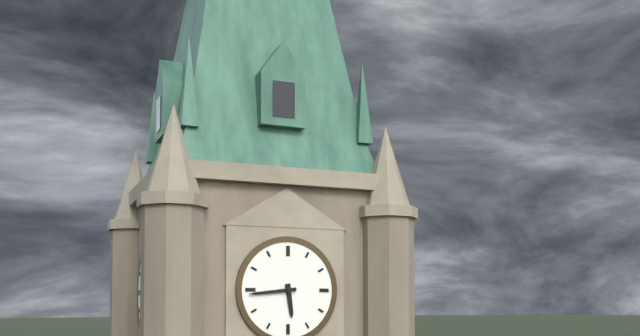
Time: h=5 m=44
